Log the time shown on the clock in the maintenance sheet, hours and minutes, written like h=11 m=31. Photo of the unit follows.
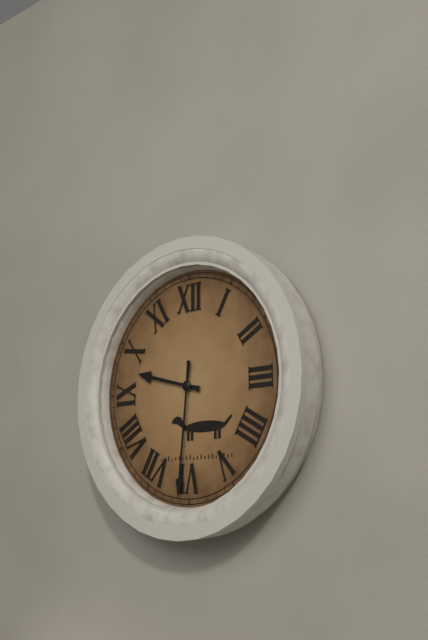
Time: h=9 m=31
